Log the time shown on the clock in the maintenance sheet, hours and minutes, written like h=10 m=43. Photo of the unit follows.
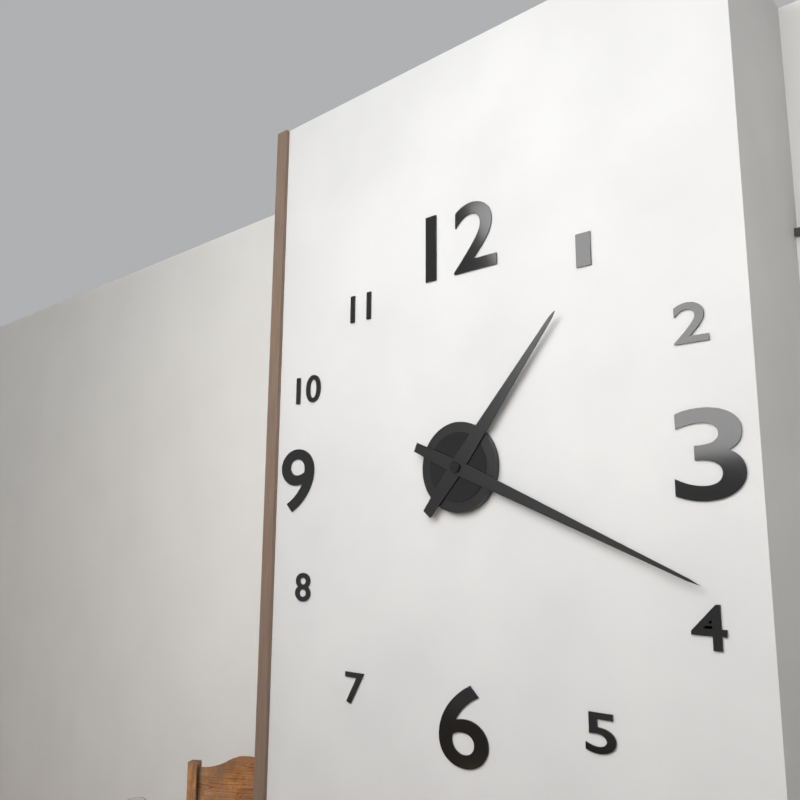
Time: h=1 m=19
